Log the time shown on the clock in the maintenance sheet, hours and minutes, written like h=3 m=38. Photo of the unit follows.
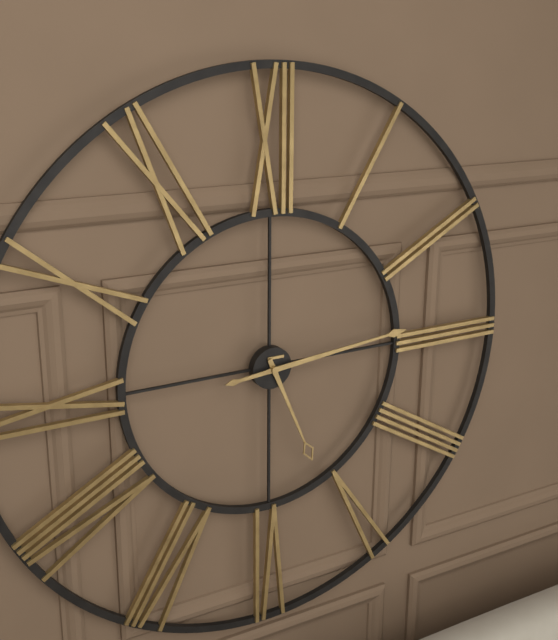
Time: h=5 m=14
